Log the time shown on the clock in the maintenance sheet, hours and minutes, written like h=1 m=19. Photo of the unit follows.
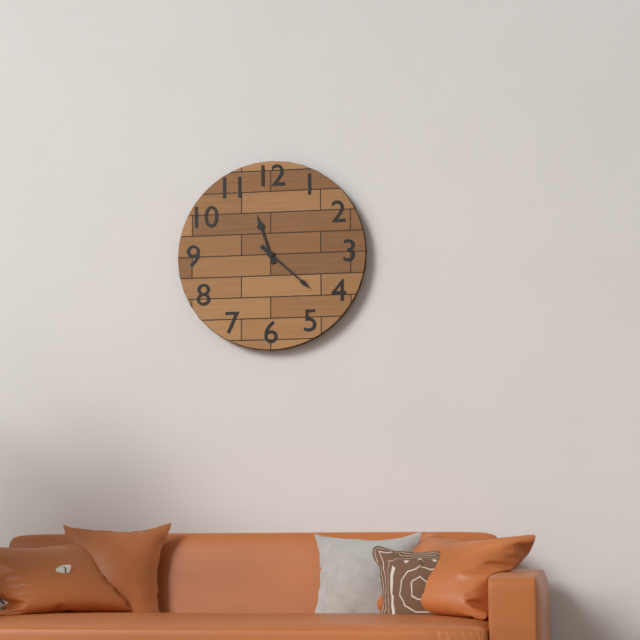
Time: h=11 m=22
